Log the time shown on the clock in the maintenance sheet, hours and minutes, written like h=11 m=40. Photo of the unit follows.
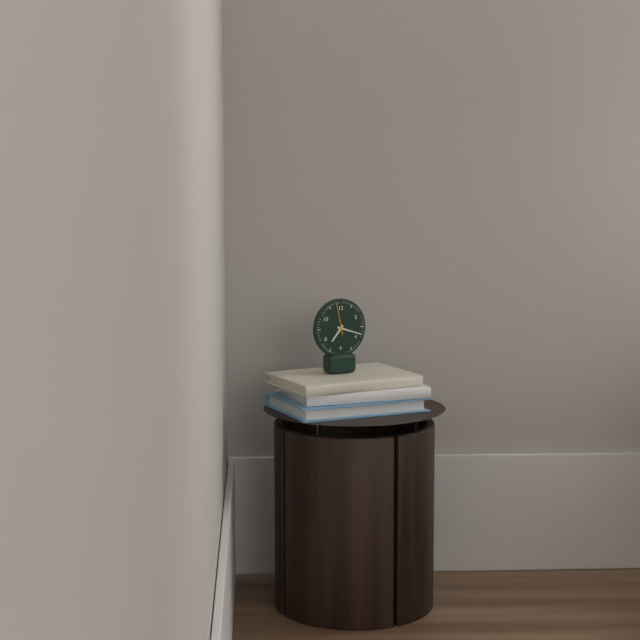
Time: h=7 m=18
